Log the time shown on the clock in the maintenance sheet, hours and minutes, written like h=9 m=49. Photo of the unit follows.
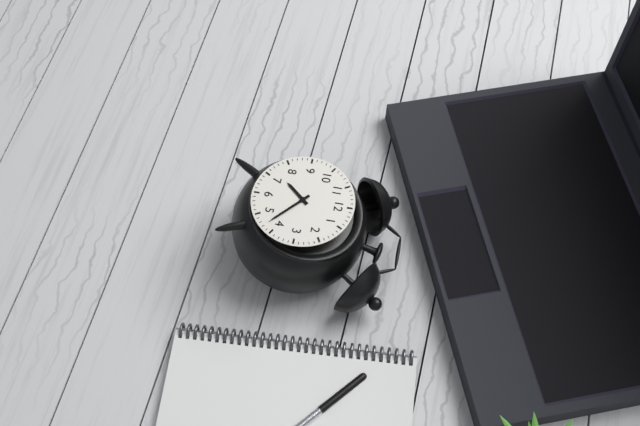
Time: h=7 m=22
